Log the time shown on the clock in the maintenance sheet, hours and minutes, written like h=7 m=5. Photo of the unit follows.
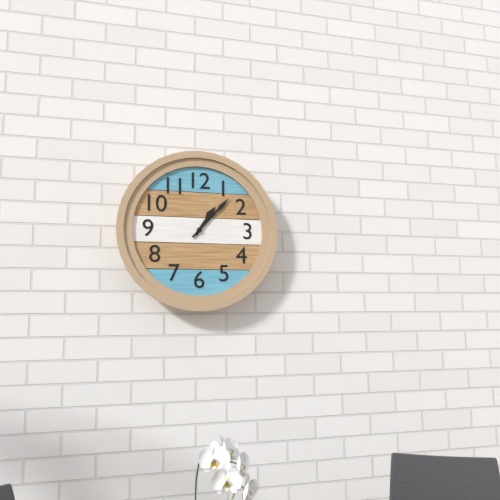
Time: h=1 m=7
